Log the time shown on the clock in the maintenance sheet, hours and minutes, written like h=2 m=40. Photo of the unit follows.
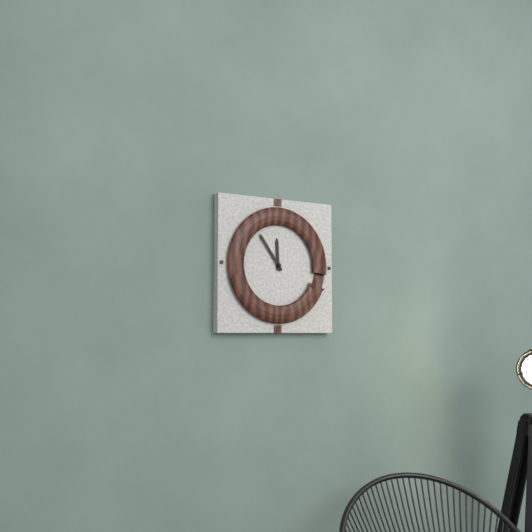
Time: h=11 m=54
